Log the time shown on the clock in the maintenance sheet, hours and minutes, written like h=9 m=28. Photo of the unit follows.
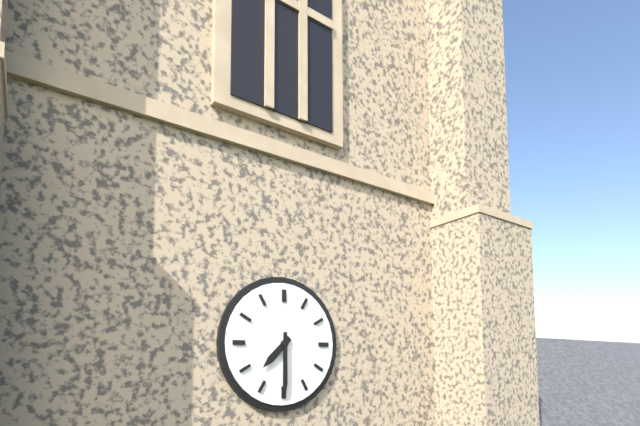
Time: h=7 m=30
